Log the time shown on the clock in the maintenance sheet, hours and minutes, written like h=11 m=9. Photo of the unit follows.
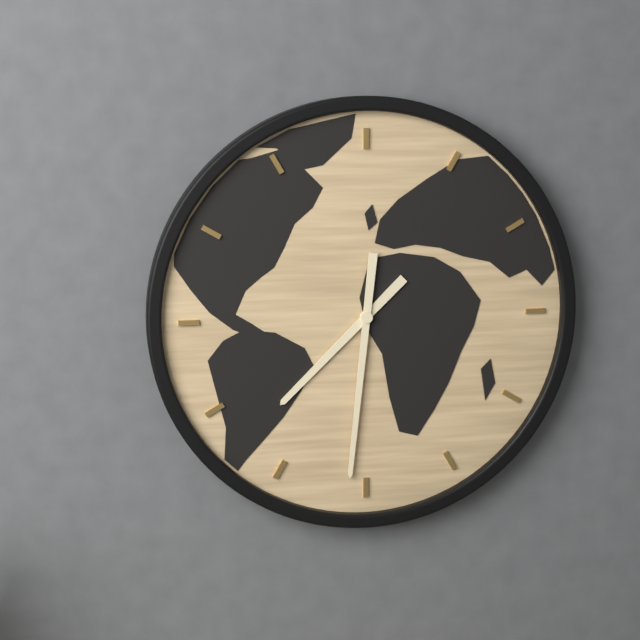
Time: h=7 m=31
